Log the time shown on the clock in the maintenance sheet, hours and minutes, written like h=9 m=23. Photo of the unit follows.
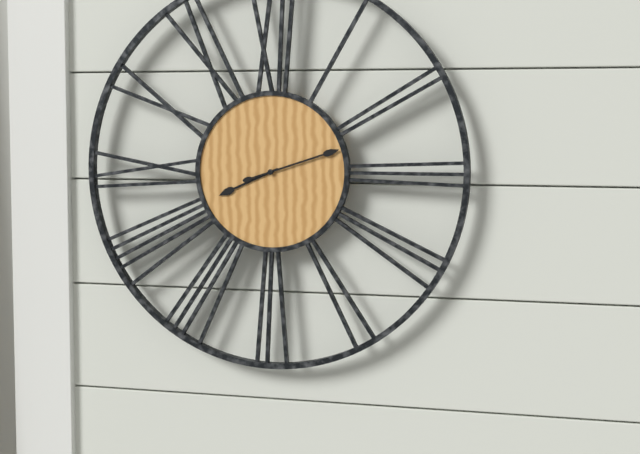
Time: h=8 m=12
